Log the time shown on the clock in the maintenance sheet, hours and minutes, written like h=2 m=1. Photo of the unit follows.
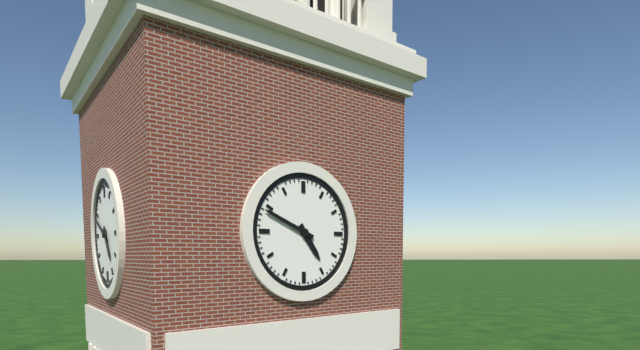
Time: h=4 m=49
